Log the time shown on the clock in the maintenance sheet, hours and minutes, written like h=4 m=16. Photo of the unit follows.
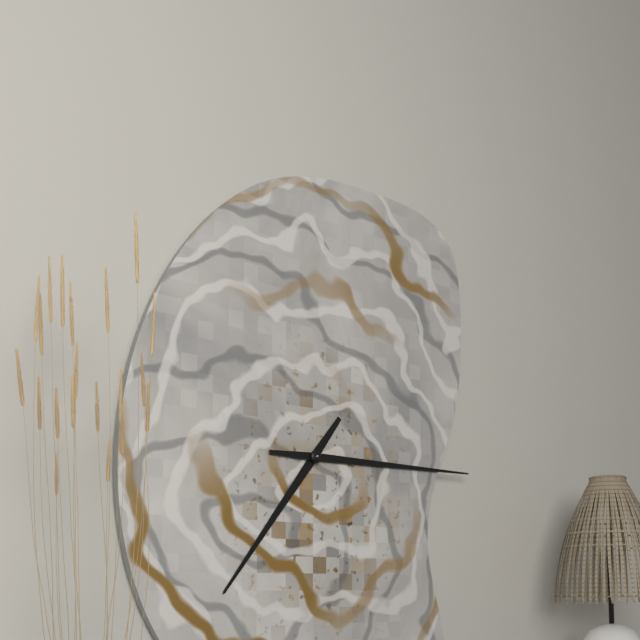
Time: h=7 m=15
